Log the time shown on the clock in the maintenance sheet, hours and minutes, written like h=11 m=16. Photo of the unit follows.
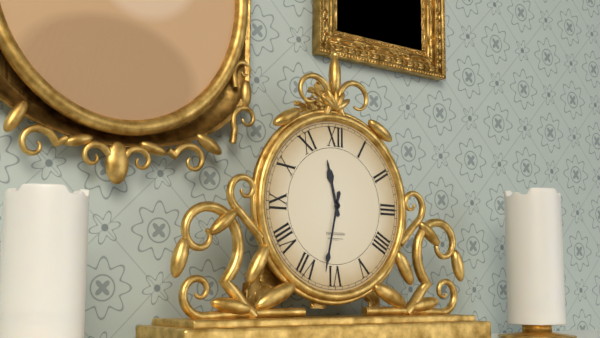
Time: h=11 m=32
